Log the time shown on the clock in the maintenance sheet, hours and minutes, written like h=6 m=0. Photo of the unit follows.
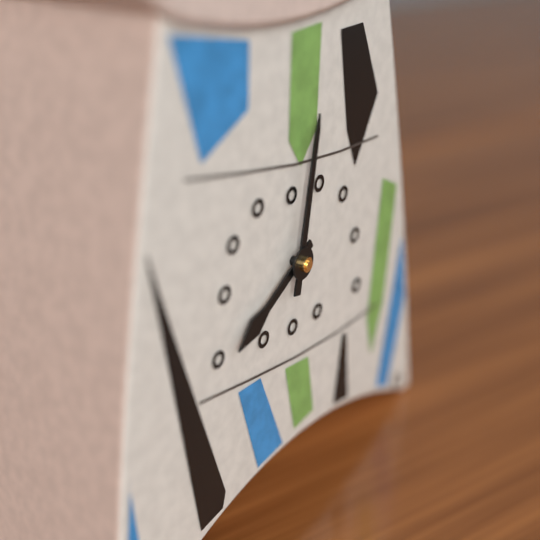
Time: h=8 m=2
